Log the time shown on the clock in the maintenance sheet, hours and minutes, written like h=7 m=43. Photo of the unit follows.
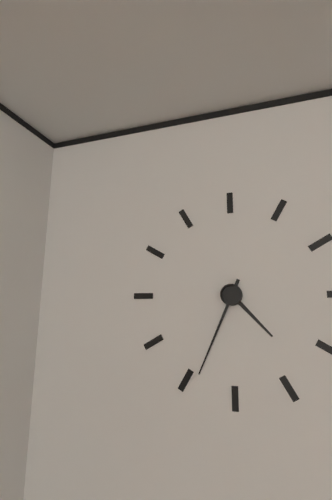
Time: h=4 m=34
